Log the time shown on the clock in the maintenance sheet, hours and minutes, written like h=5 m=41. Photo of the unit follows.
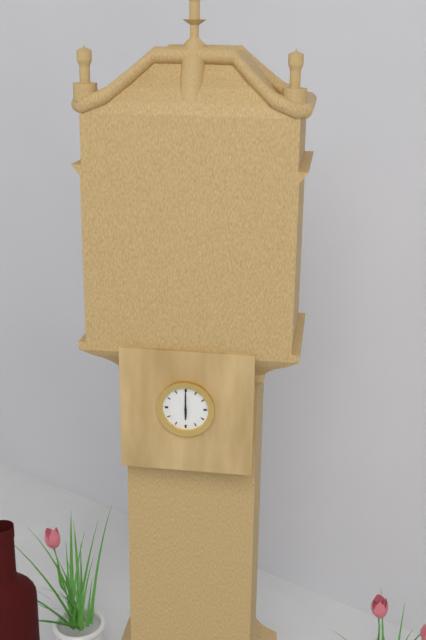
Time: h=6 m=0
